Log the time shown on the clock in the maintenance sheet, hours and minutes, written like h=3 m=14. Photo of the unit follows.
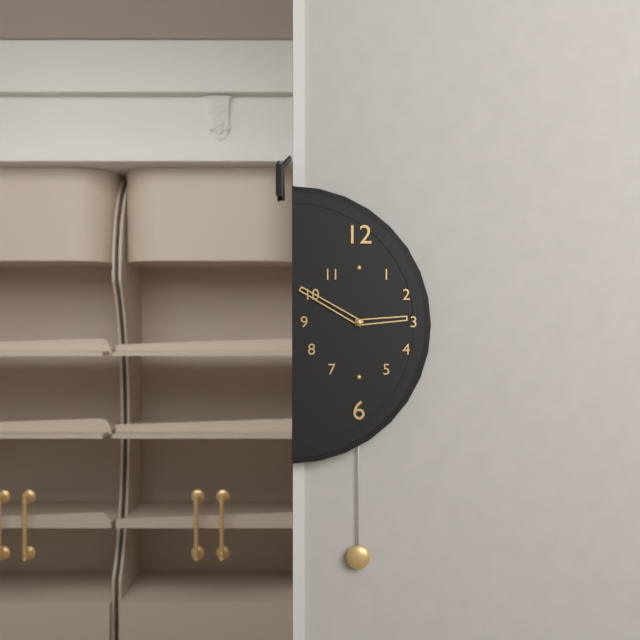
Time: h=2 m=50
